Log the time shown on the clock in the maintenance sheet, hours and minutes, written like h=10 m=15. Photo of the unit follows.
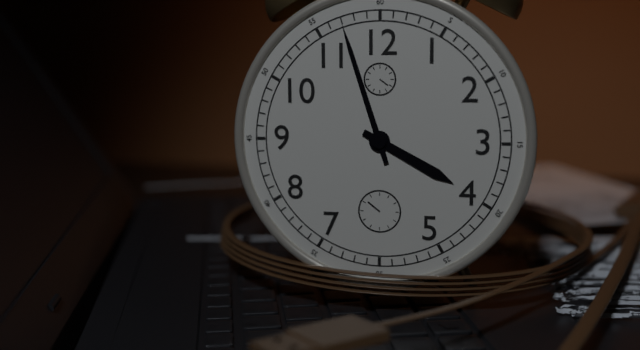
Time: h=3 m=57
